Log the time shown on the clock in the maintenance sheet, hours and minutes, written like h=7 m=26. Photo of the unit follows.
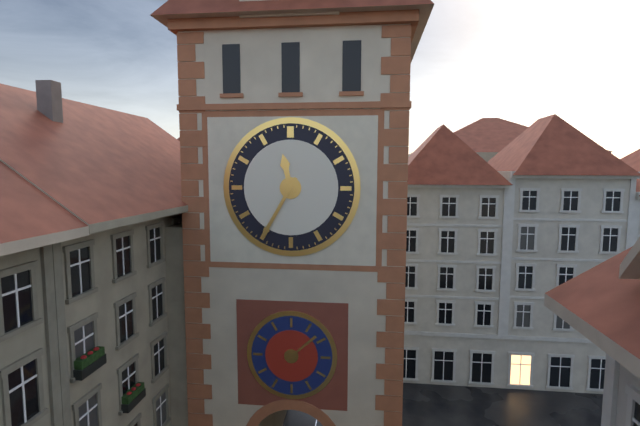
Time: h=11 m=35
